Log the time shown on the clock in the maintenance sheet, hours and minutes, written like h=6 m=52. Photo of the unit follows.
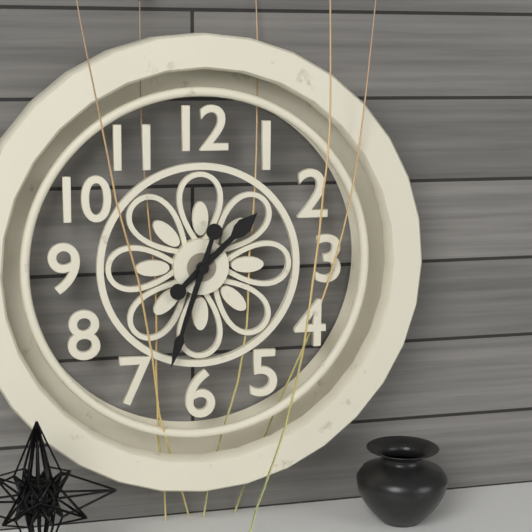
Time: h=1 m=33
